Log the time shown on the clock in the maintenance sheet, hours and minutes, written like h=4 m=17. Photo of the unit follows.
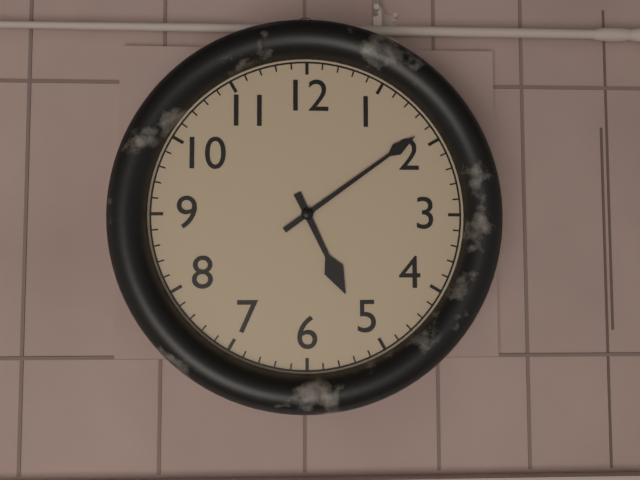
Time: h=5 m=9
